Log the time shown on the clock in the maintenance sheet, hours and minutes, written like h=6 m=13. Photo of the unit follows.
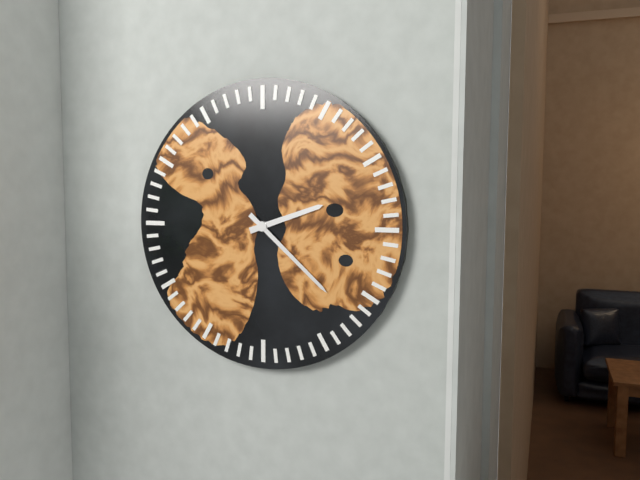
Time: h=2 m=22
